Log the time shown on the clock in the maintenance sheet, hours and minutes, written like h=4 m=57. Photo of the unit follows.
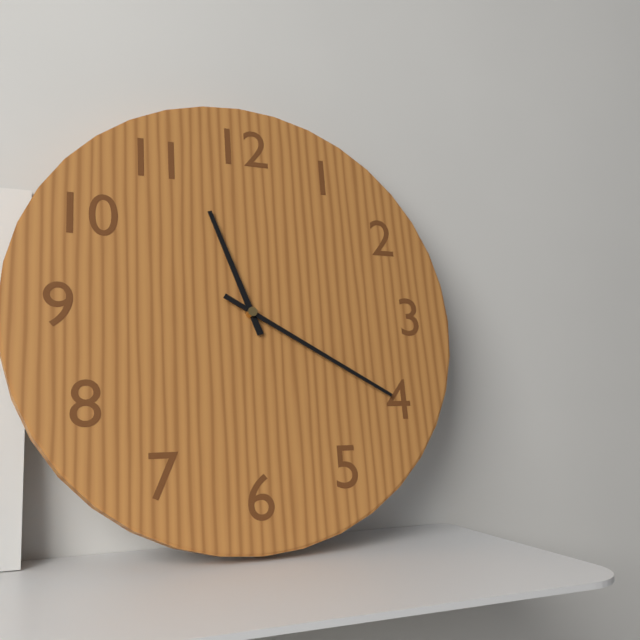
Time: h=11 m=20
